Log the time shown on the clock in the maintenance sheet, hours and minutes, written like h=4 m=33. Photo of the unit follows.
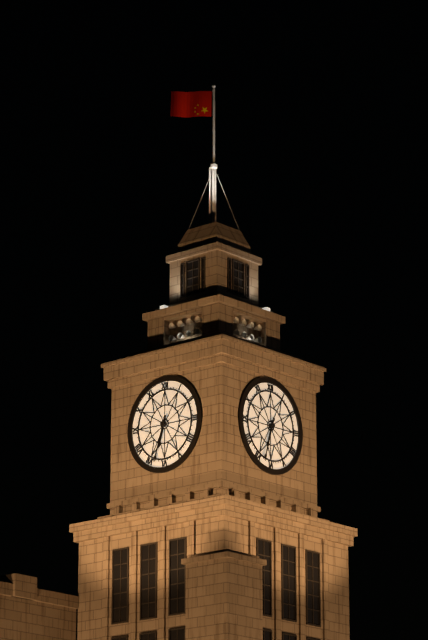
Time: h=6 m=33
